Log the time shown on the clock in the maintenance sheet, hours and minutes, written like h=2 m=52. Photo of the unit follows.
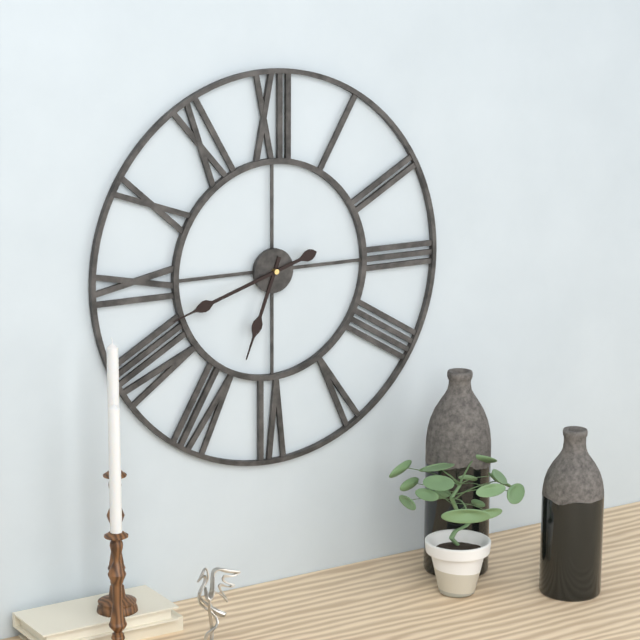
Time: h=6 m=42
